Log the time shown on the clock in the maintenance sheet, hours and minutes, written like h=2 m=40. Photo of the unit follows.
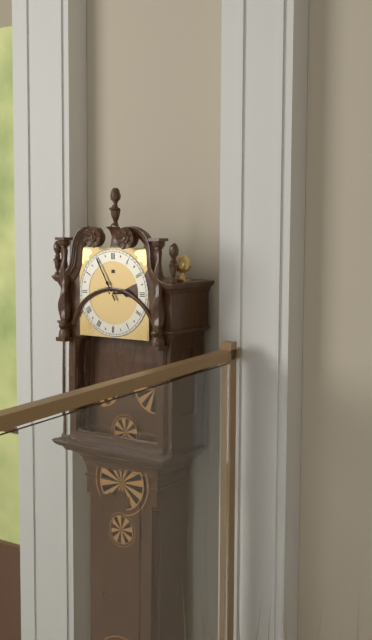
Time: h=2 m=55
